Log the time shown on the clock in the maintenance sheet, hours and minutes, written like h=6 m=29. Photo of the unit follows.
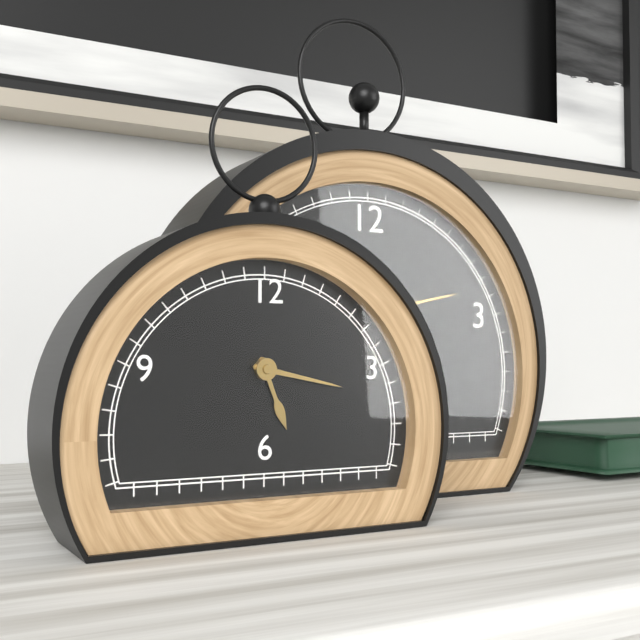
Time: h=5 m=17
